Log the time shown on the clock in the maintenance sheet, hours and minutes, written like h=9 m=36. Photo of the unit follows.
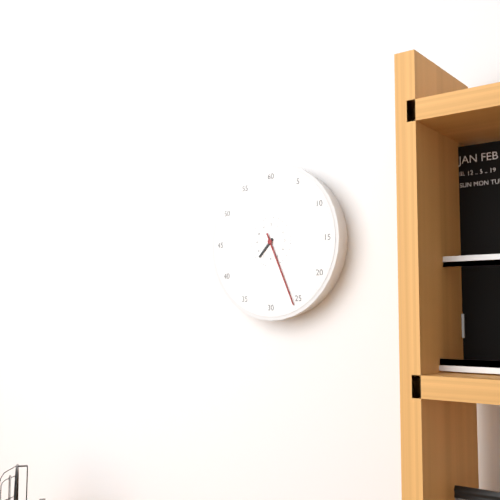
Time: h=7 m=26
